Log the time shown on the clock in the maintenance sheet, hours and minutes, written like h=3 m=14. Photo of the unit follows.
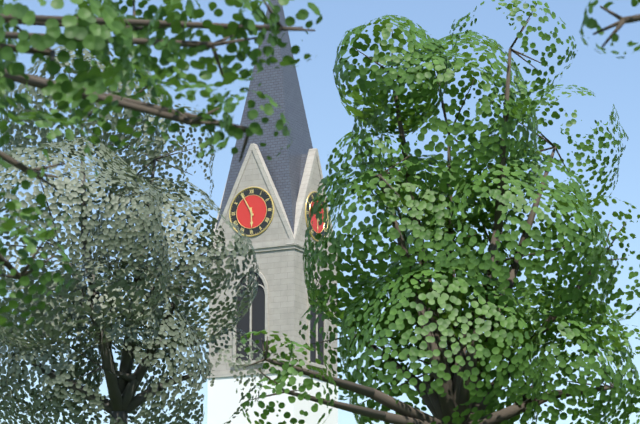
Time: h=5 m=55
